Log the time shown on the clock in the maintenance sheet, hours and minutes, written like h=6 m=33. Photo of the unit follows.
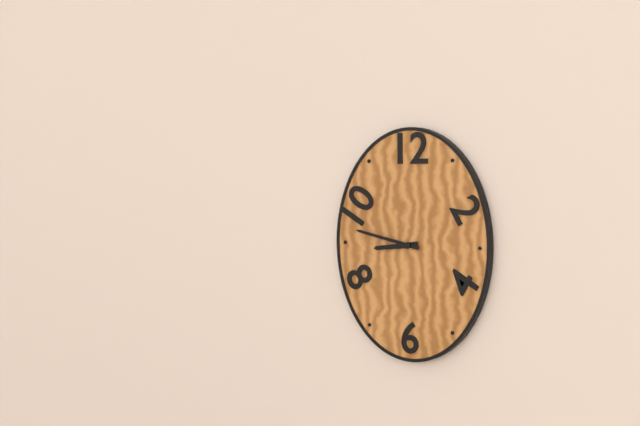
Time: h=8 m=47
